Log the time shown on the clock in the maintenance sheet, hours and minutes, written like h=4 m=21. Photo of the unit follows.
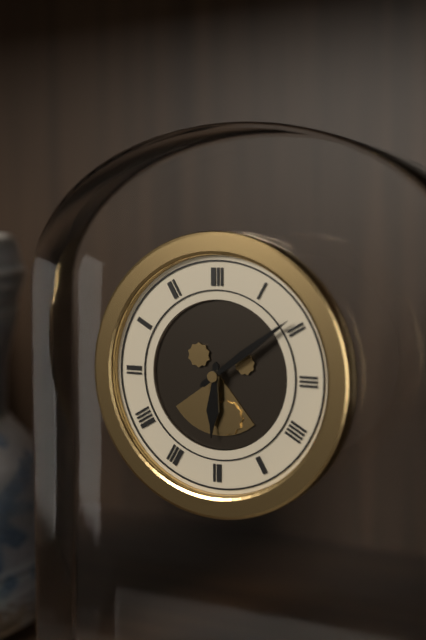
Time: h=6 m=9
